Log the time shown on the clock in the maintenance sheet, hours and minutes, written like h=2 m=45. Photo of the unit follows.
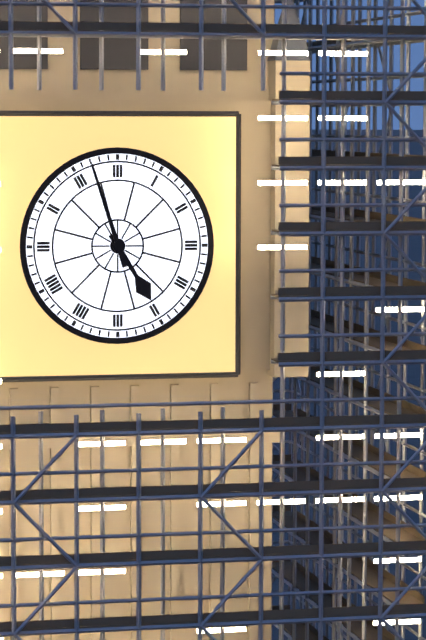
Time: h=4 m=57
